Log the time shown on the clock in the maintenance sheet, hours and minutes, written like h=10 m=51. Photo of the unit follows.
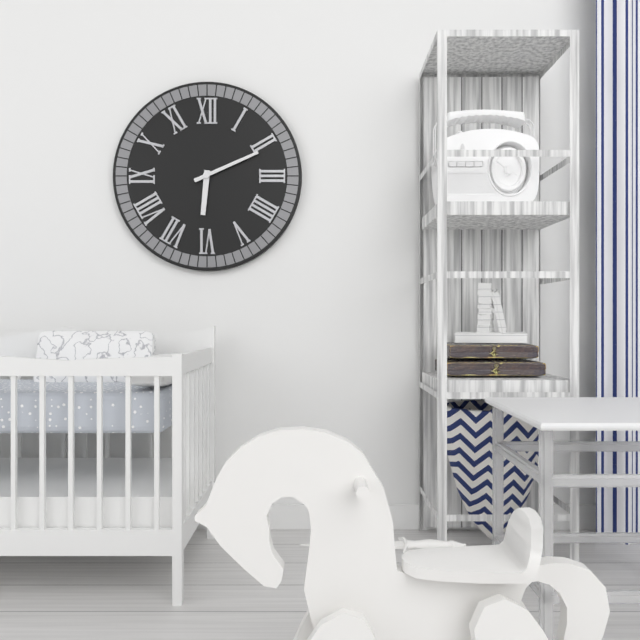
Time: h=6 m=11
